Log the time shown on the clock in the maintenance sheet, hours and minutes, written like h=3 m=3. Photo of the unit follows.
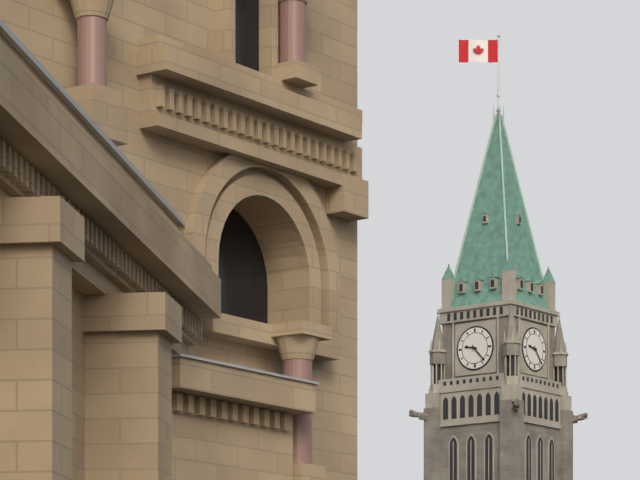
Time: h=9 m=23
